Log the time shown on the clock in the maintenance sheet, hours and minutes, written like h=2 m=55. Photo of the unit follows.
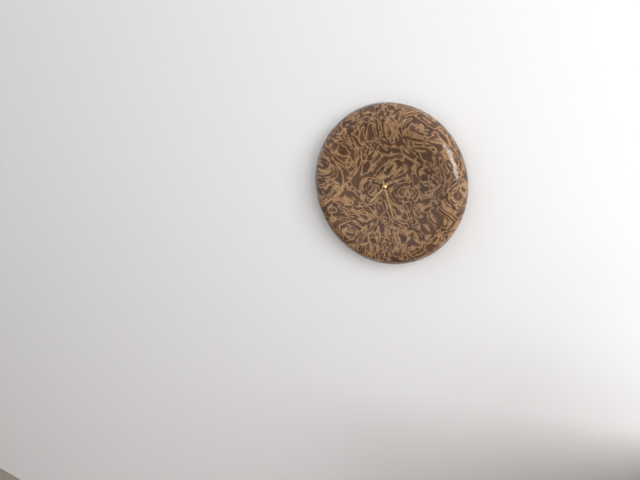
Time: h=7 m=27
